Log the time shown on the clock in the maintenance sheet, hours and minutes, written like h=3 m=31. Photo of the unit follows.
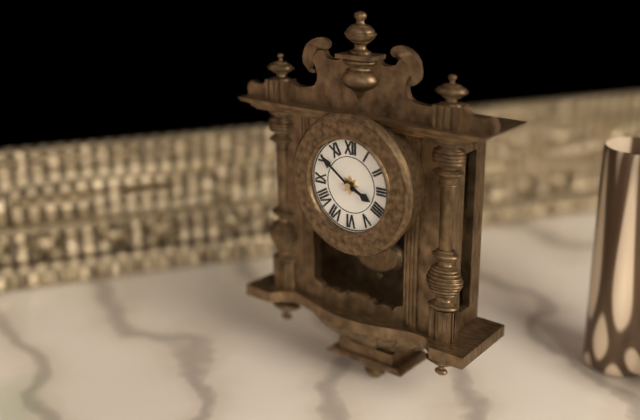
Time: h=3 m=51
